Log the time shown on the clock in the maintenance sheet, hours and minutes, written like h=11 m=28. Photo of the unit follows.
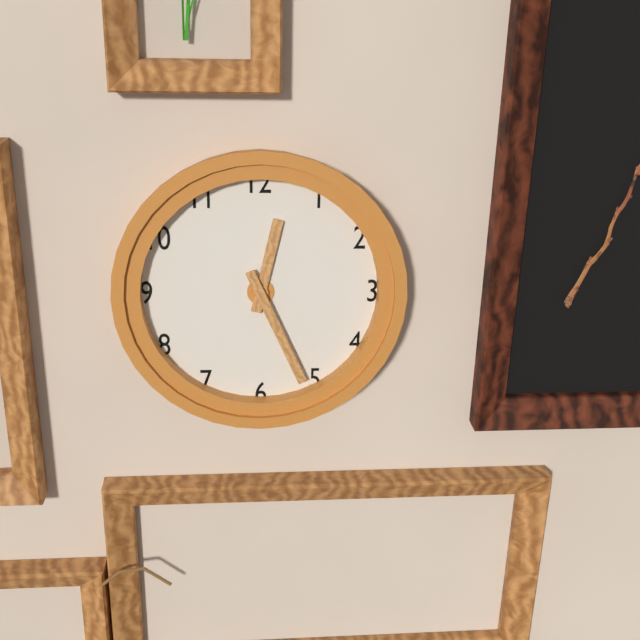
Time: h=12 m=26
